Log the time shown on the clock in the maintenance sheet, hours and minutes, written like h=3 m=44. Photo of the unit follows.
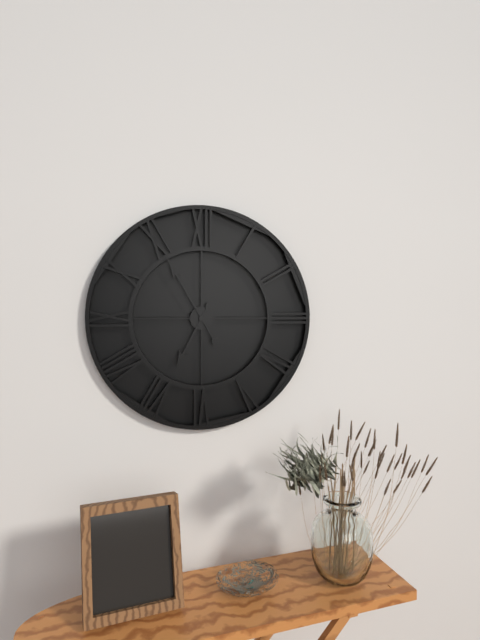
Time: h=6 m=55
